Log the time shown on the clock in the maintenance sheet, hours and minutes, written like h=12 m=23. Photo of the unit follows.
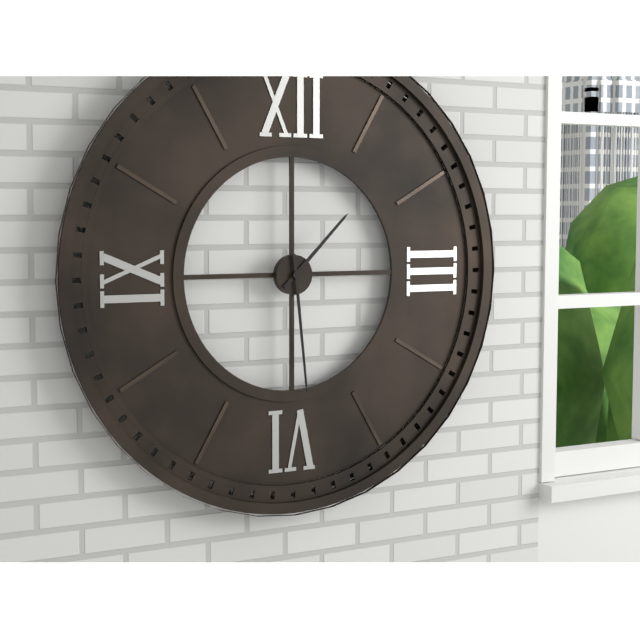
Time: h=1 m=29
